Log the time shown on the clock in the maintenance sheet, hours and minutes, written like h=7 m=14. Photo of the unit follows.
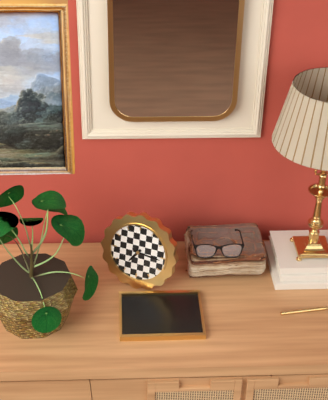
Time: h=7 m=16
